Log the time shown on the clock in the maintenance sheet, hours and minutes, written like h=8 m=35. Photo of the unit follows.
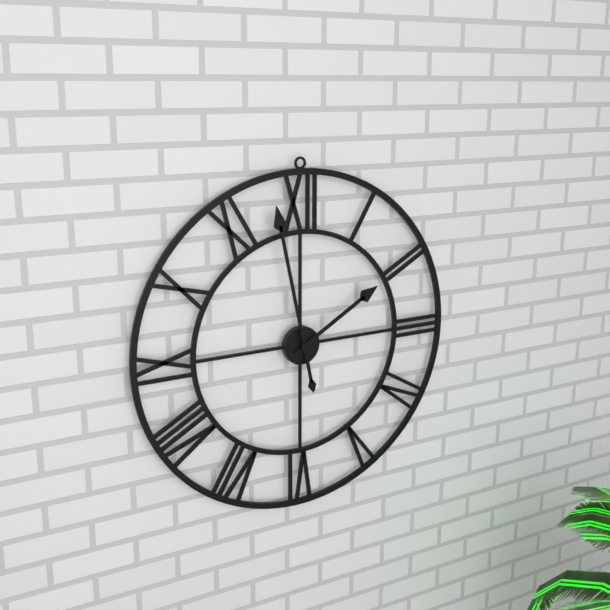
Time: h=1 m=58
